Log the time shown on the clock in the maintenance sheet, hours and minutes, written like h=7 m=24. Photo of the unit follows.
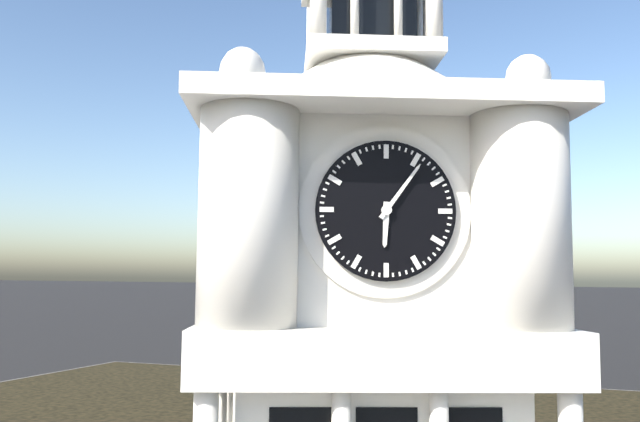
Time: h=6 m=6
